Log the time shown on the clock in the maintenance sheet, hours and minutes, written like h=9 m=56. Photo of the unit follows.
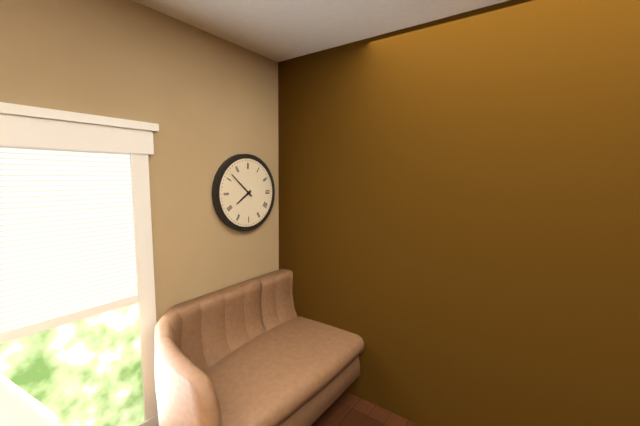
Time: h=7 m=52
